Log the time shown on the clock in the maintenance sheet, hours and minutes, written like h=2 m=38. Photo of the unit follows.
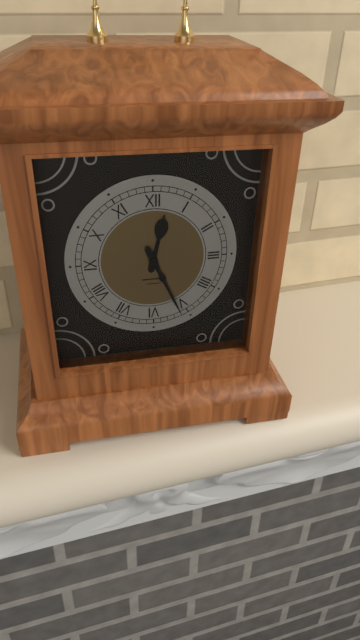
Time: h=12 m=26
